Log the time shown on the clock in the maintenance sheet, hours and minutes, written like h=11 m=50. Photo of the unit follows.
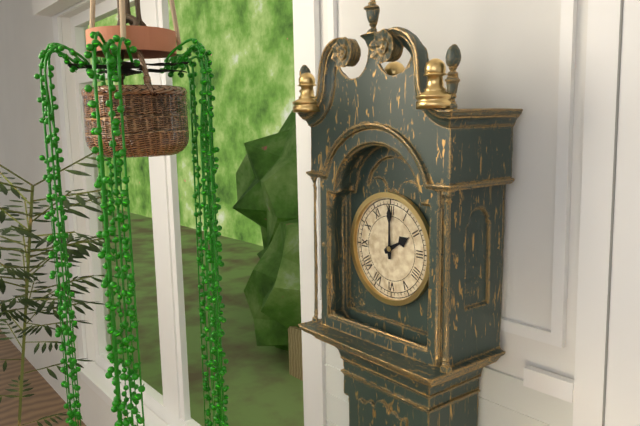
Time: h=2 m=0
